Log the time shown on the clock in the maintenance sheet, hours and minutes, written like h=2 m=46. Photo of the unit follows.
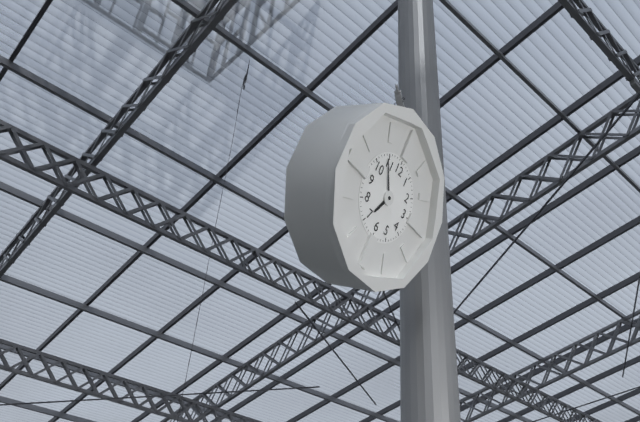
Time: h=6 m=54
